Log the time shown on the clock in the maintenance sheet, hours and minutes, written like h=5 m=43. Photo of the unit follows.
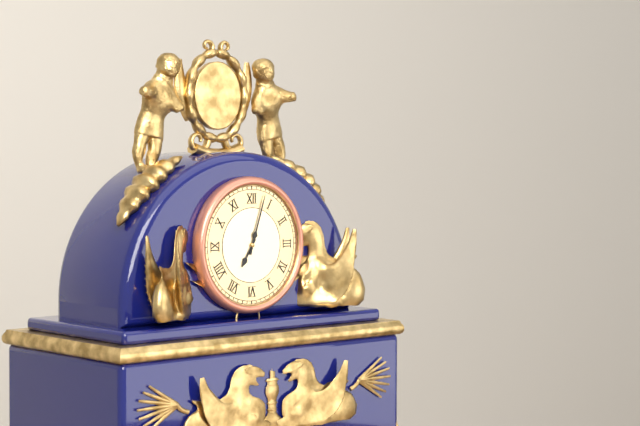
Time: h=7 m=3
